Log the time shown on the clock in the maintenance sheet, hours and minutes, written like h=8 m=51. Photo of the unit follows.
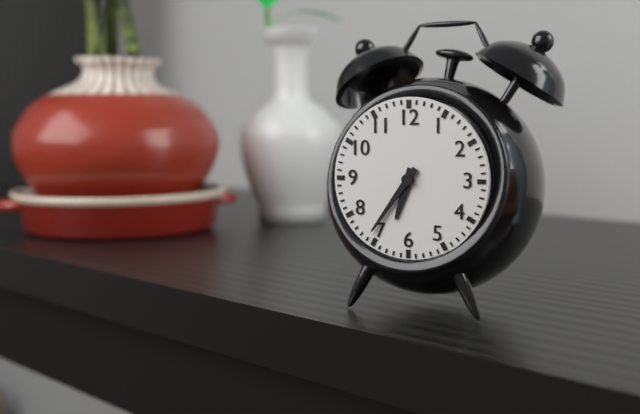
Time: h=6 m=36
